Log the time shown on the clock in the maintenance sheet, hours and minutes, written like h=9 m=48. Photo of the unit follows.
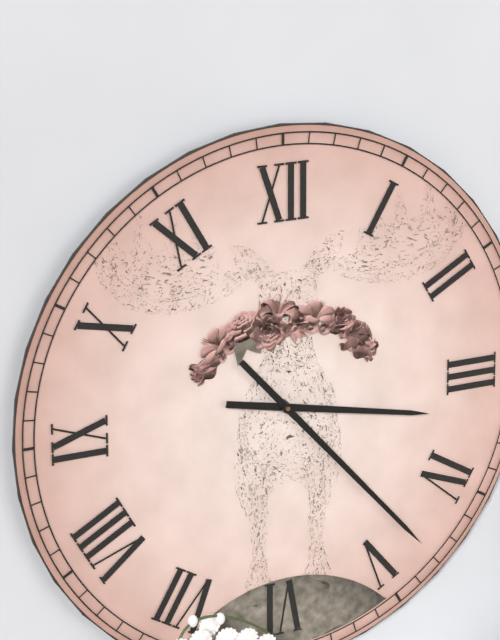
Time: h=3 m=23
